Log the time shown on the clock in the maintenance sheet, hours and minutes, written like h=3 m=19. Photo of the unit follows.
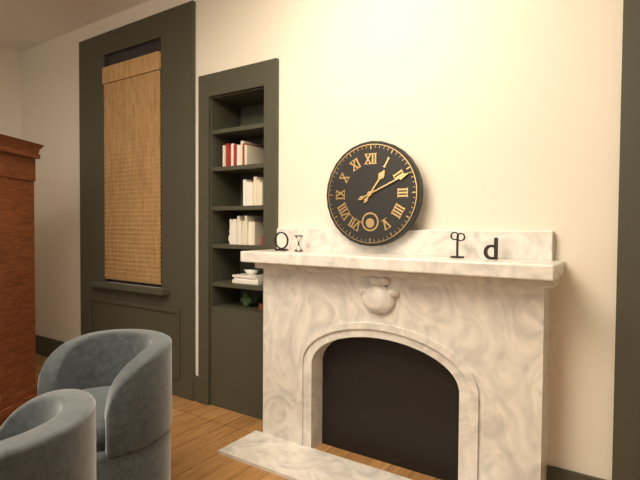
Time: h=1 m=11
